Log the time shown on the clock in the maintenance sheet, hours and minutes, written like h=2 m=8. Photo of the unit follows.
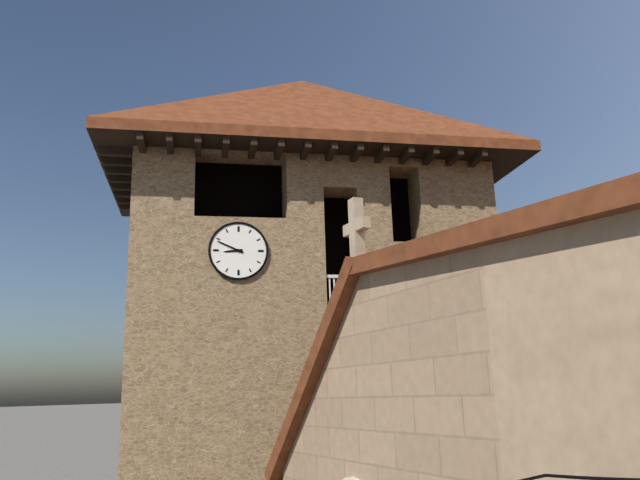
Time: h=8 m=49
